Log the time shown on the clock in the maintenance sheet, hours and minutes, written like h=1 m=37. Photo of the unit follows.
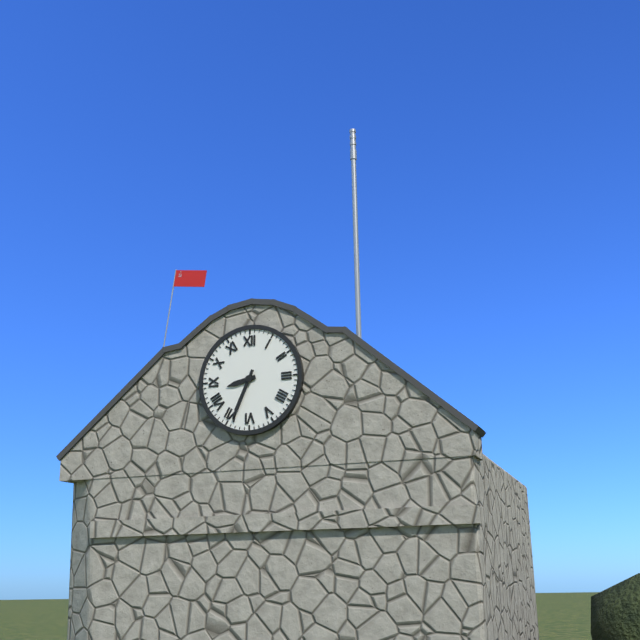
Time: h=8 m=34
